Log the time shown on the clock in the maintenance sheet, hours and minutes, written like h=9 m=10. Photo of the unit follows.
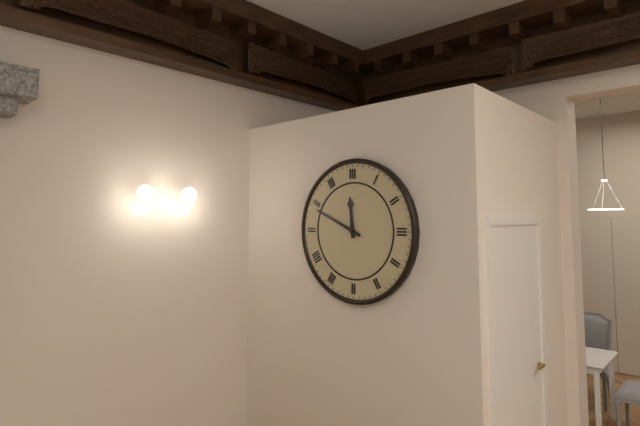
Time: h=11 m=49
